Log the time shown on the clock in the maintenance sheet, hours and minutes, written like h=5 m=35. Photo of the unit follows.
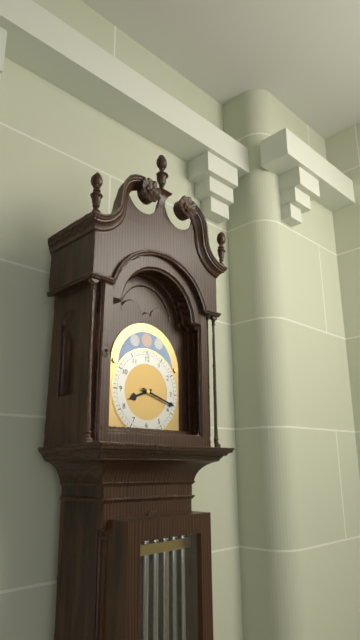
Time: h=8 m=18
